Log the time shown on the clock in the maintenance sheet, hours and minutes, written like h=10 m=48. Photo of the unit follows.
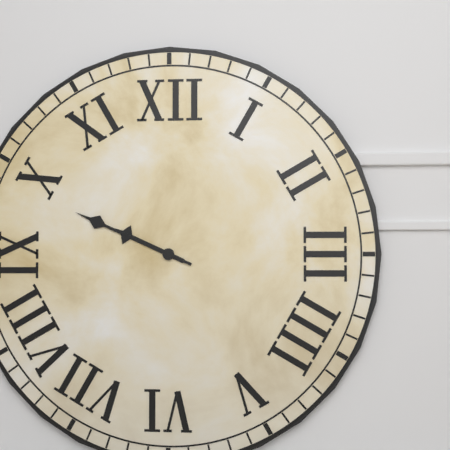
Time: h=9 m=49
